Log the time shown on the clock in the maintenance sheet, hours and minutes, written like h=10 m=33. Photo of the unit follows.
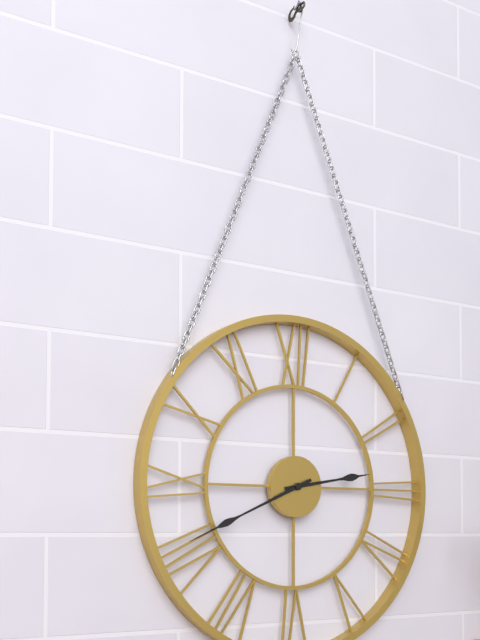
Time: h=2 m=41
